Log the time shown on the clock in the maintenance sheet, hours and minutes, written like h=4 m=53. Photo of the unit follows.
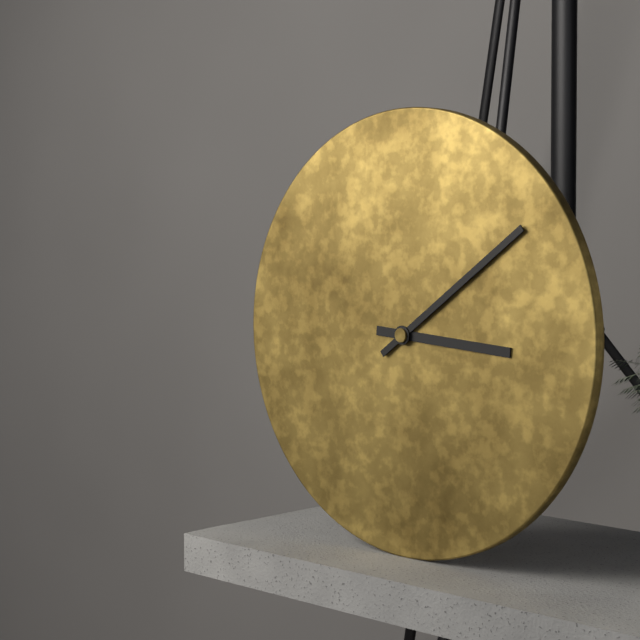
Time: h=3 m=9
